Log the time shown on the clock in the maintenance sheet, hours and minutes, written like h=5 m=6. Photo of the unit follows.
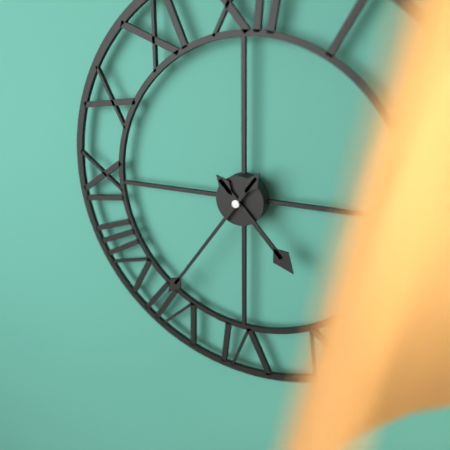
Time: h=4 m=36
